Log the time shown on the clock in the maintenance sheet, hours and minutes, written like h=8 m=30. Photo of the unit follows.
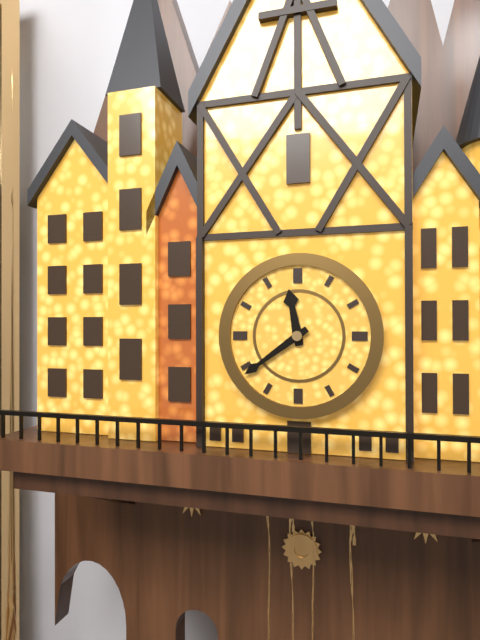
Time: h=11 m=39
